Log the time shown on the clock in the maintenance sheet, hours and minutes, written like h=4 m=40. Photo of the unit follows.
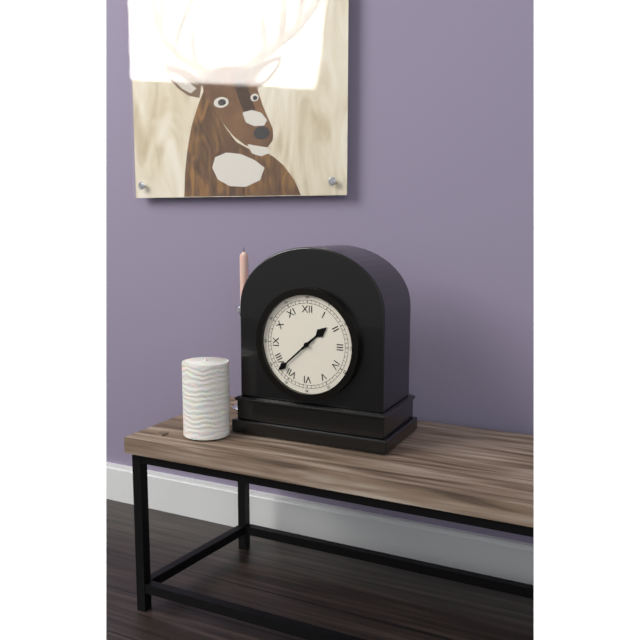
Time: h=1 m=38
